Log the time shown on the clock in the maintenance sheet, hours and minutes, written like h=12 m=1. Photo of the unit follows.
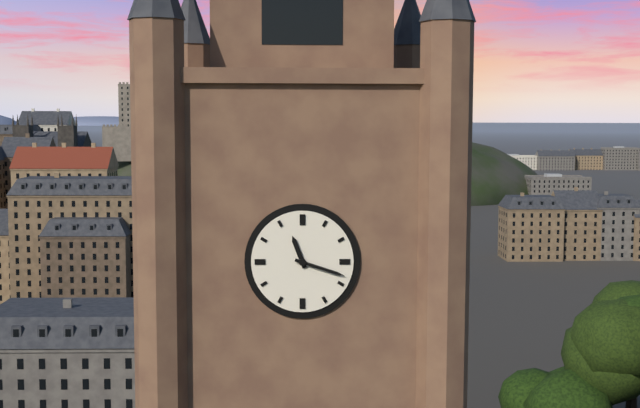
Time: h=11 m=18
